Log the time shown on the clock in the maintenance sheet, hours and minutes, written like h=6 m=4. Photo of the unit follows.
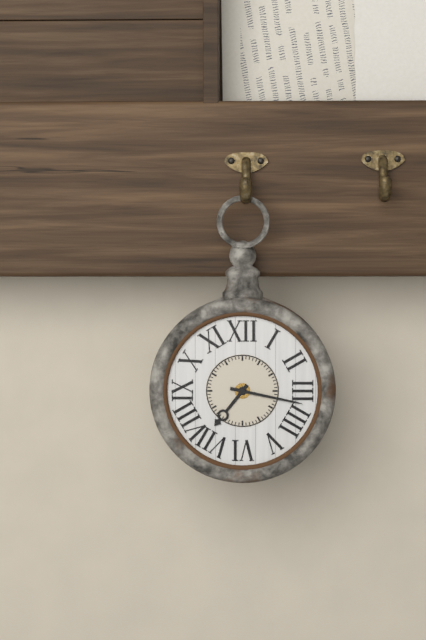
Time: h=7 m=17
